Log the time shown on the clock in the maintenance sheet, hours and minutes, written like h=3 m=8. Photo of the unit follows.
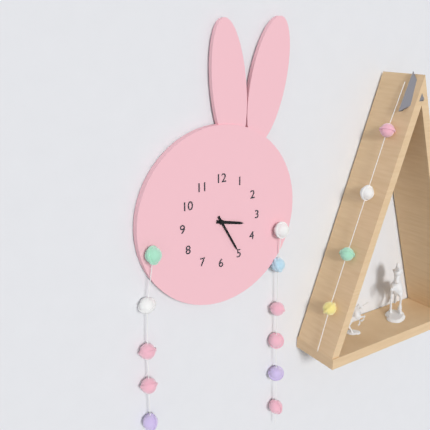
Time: h=3 m=25
